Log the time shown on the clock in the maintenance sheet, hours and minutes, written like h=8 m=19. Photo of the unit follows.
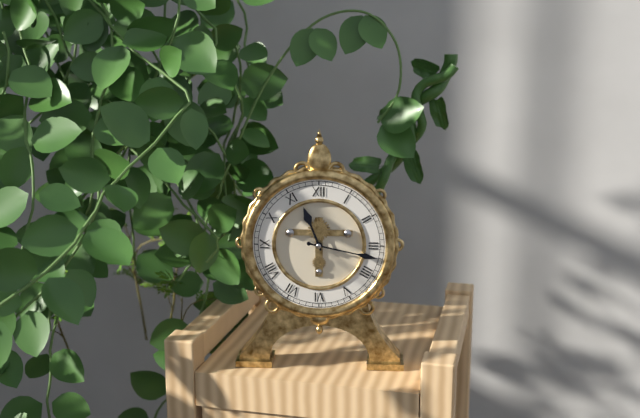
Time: h=11 m=17
